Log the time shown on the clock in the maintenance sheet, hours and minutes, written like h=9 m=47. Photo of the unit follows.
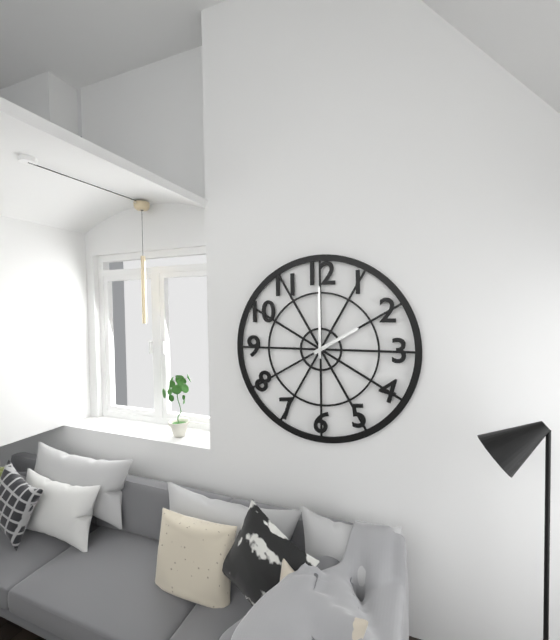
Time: h=2 m=0
